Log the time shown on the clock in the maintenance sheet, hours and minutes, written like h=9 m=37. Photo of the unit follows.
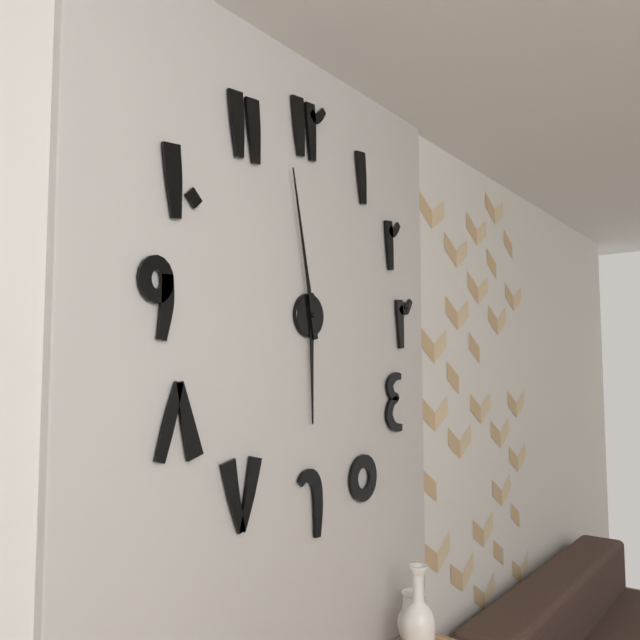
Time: h=5 m=58
